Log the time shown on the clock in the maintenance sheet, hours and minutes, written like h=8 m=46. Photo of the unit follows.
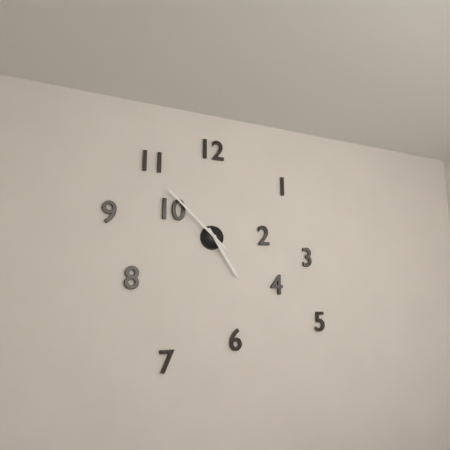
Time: h=4 m=52
